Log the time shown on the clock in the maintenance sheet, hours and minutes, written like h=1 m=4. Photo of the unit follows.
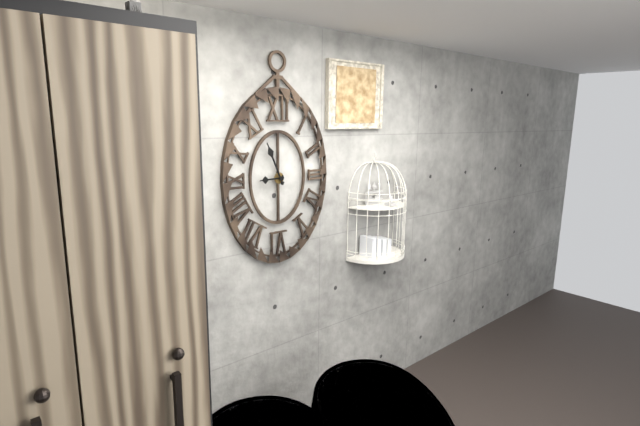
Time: h=8 m=56
